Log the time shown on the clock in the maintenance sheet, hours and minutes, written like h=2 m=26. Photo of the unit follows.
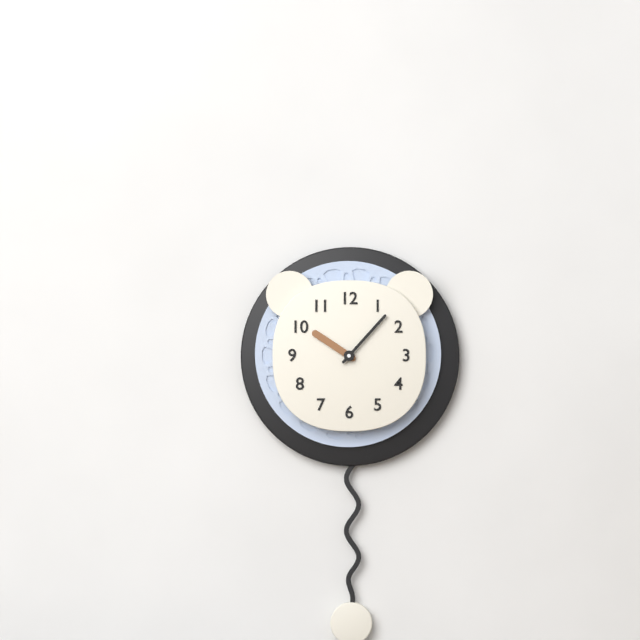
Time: h=10 m=7
